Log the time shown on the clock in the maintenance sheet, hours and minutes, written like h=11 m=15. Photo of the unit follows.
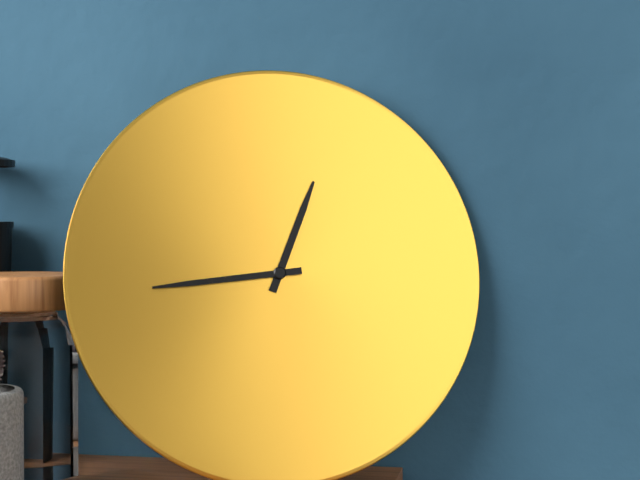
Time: h=12 m=44
